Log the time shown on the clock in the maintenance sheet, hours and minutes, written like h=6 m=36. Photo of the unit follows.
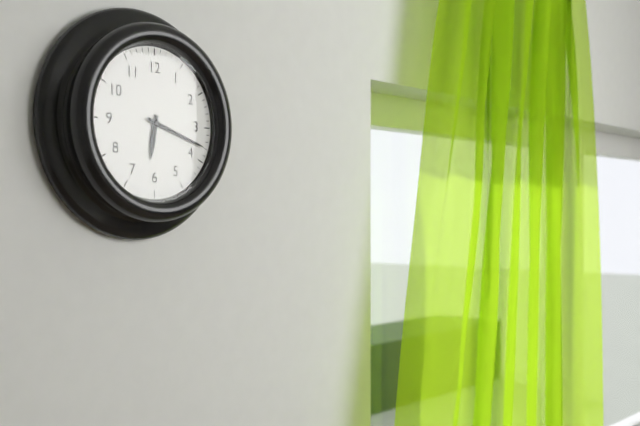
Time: h=6 m=18
